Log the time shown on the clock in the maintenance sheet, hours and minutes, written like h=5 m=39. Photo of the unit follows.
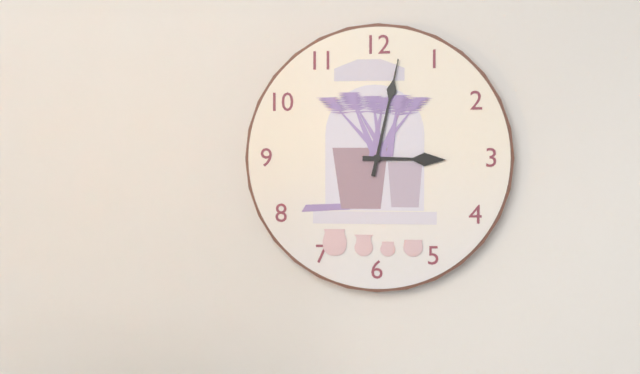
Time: h=3 m=2
